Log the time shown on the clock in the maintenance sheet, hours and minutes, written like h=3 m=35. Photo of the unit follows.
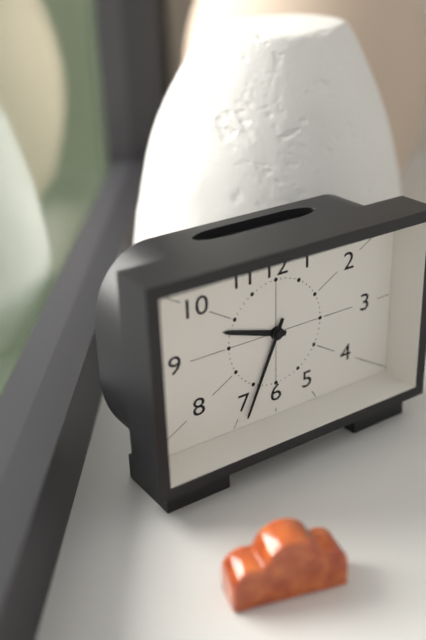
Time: h=9 m=34
